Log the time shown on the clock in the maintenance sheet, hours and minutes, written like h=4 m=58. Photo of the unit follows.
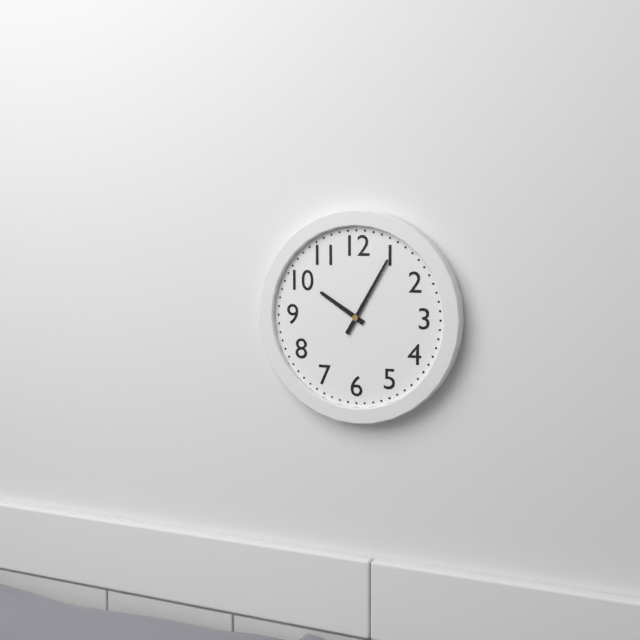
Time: h=10 m=5
